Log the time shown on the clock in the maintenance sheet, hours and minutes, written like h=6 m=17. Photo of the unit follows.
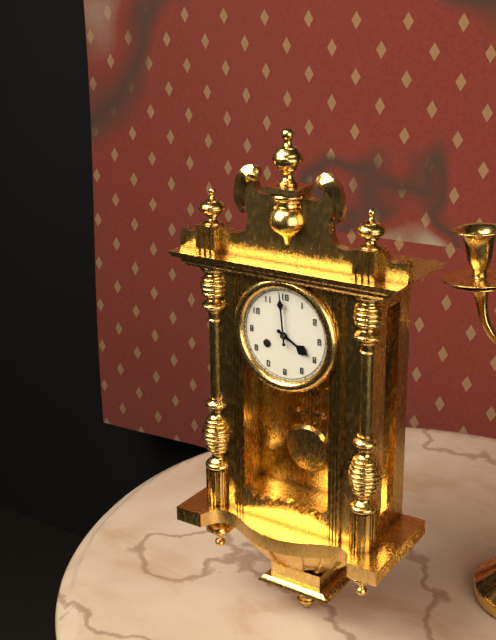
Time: h=3 m=59
